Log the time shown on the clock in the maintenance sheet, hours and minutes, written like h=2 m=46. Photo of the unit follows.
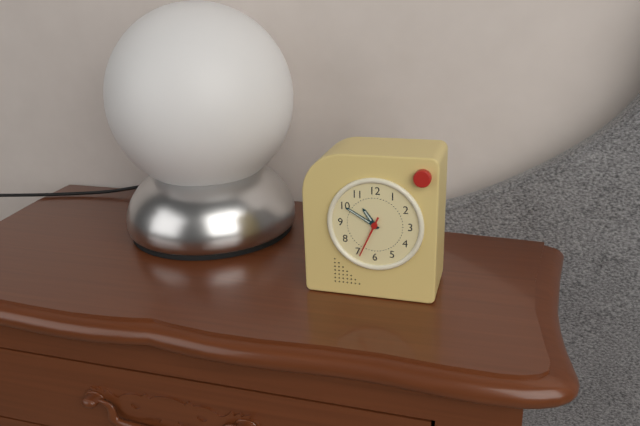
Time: h=10 m=50
